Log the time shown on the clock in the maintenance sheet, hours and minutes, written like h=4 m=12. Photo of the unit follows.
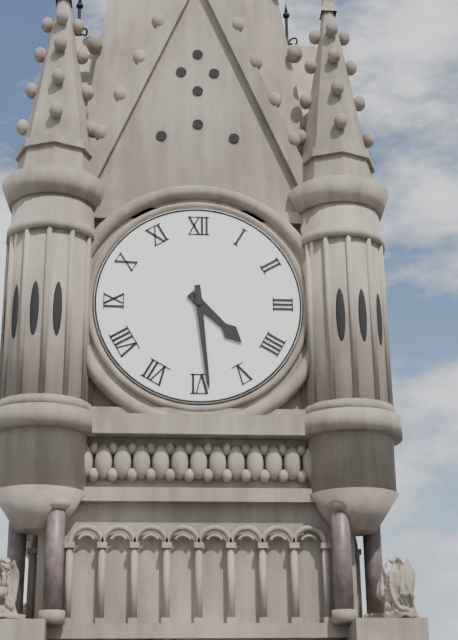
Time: h=4 m=29
